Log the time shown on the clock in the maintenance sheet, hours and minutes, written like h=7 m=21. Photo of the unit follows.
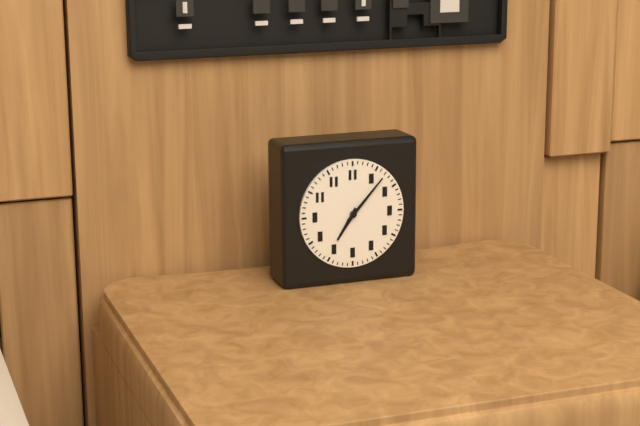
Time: h=7 m=7
